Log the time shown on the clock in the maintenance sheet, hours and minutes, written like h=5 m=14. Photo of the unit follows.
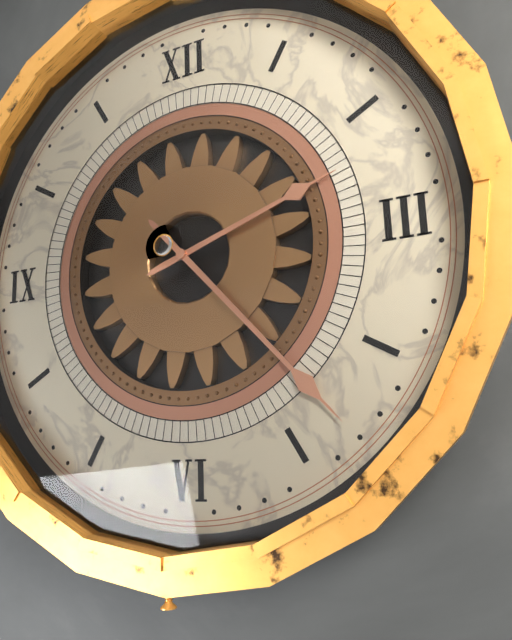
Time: h=2 m=23
